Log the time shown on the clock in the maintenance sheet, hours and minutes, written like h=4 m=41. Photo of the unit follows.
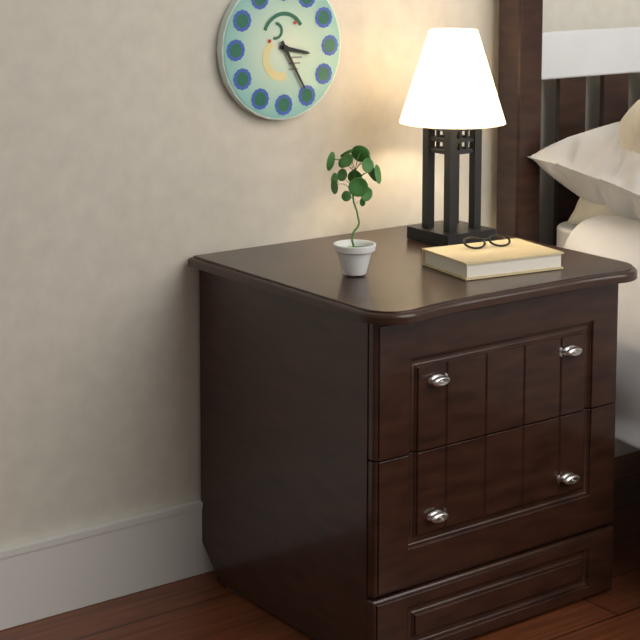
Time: h=3 m=25
